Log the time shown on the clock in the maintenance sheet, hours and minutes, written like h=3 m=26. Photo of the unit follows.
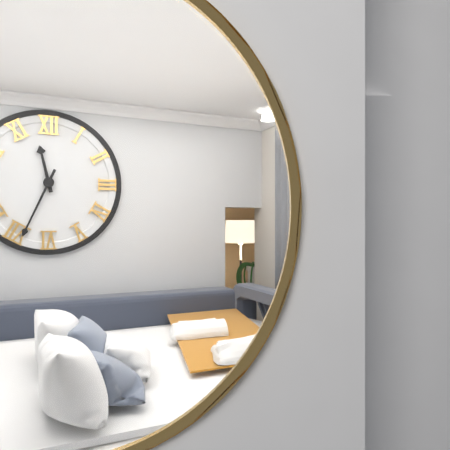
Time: h=11 m=34
